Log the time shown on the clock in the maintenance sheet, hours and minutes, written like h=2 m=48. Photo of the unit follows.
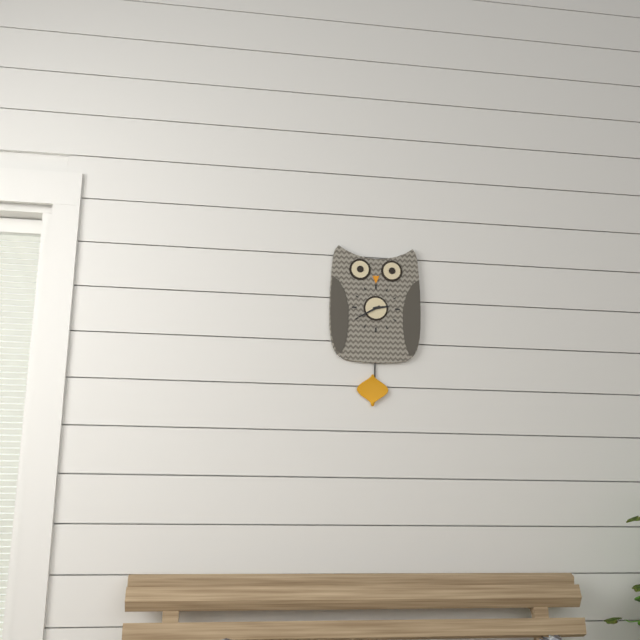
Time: h=2 m=40
